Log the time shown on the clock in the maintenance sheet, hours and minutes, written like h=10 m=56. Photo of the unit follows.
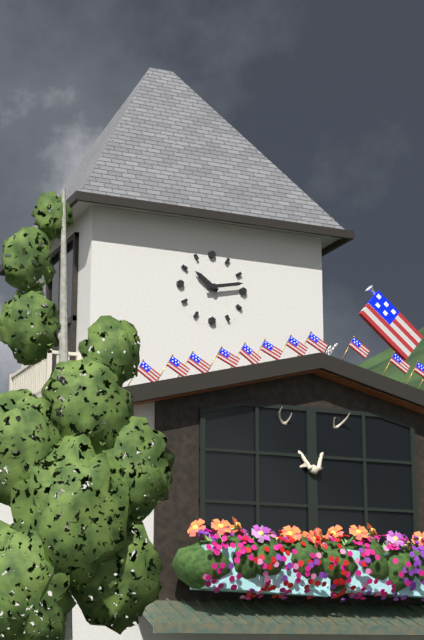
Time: h=10 m=13
